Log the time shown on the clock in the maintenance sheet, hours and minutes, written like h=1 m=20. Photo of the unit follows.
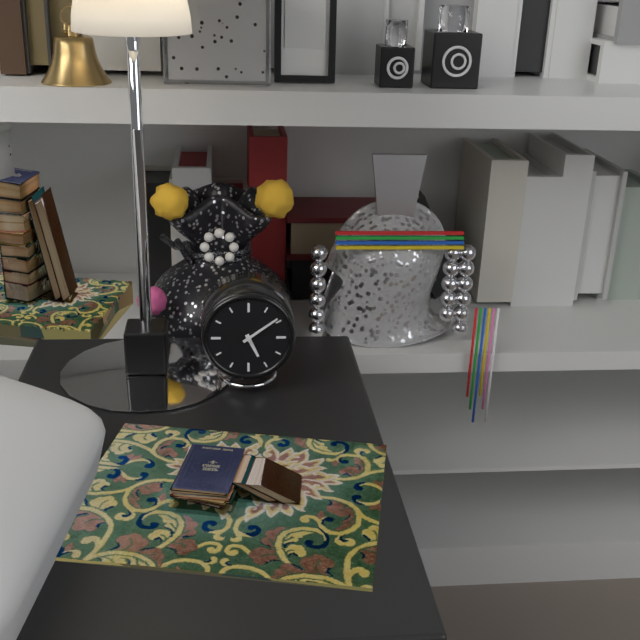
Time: h=5 m=9
